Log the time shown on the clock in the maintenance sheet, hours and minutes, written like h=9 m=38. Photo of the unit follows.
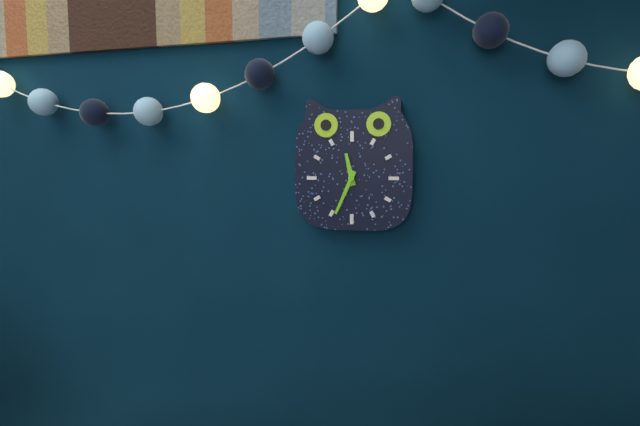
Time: h=11 m=34
